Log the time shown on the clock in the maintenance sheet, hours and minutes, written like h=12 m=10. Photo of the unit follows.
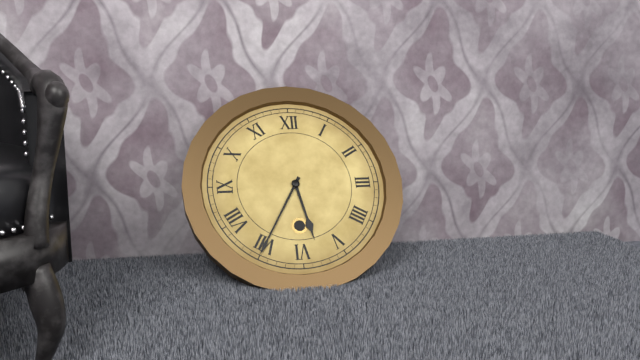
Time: h=5 m=35
